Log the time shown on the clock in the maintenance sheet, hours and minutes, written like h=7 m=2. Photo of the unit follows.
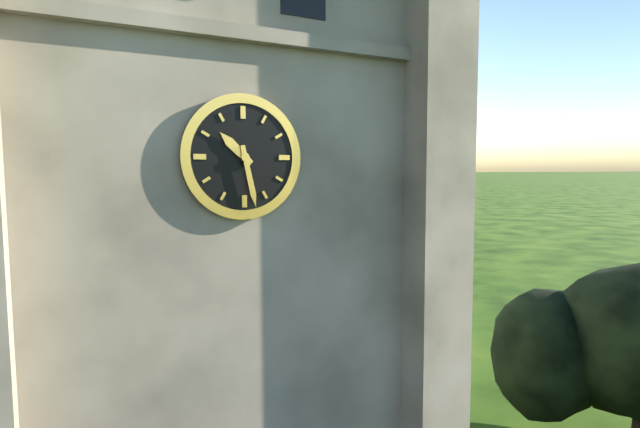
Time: h=10 m=28
